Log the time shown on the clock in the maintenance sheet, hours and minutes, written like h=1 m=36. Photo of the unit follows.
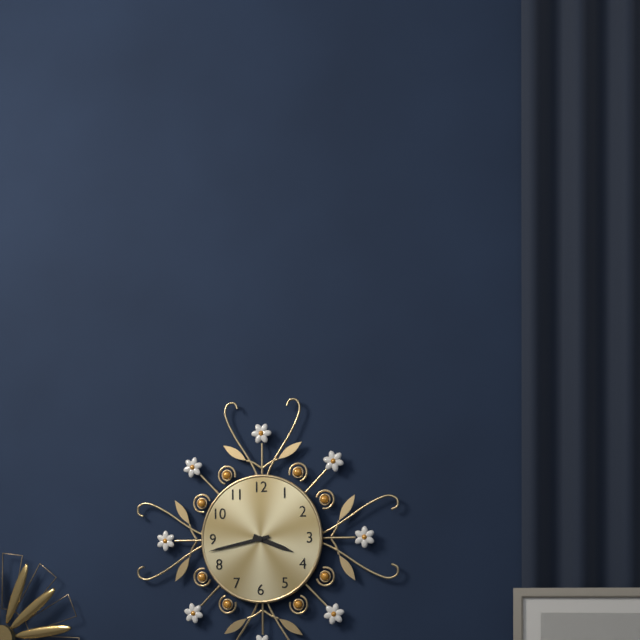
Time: h=3 m=43
